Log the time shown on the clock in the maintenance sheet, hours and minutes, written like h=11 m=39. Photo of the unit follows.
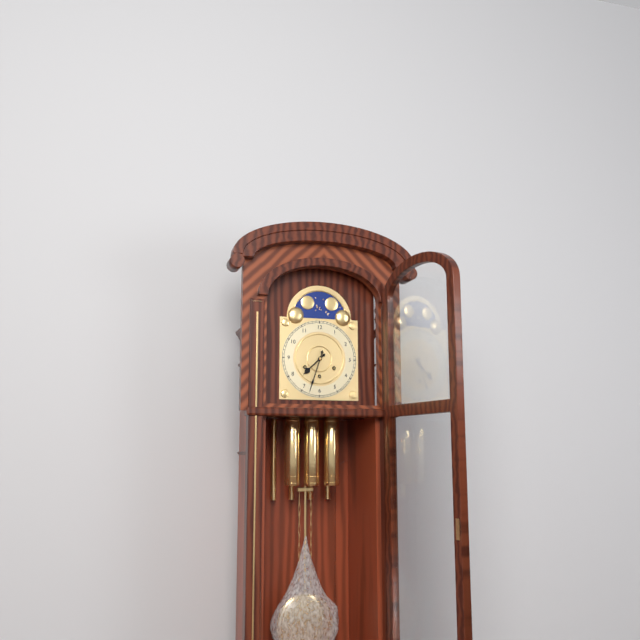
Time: h=7 m=33
